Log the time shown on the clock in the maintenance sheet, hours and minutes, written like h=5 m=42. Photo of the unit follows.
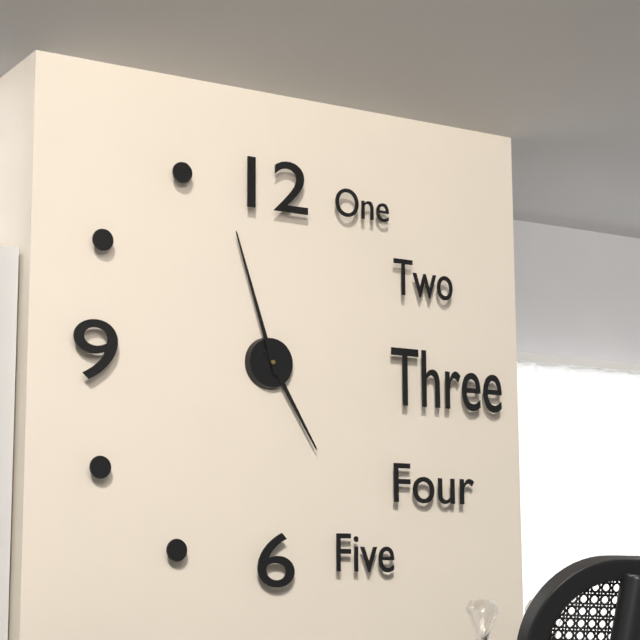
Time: h=4 m=57
